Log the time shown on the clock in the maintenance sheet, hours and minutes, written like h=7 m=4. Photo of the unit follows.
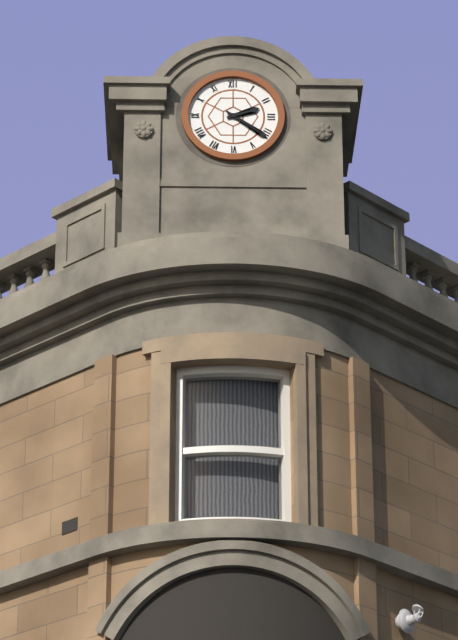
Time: h=2 m=21
